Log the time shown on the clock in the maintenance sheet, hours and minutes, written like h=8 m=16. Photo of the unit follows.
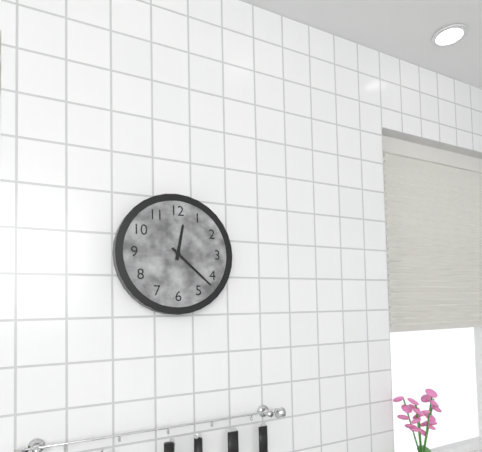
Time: h=12 m=22
